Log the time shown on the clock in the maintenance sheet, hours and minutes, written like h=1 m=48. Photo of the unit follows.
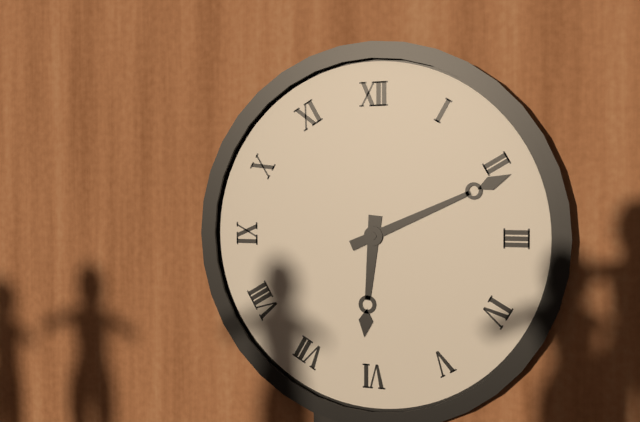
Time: h=6 m=11
